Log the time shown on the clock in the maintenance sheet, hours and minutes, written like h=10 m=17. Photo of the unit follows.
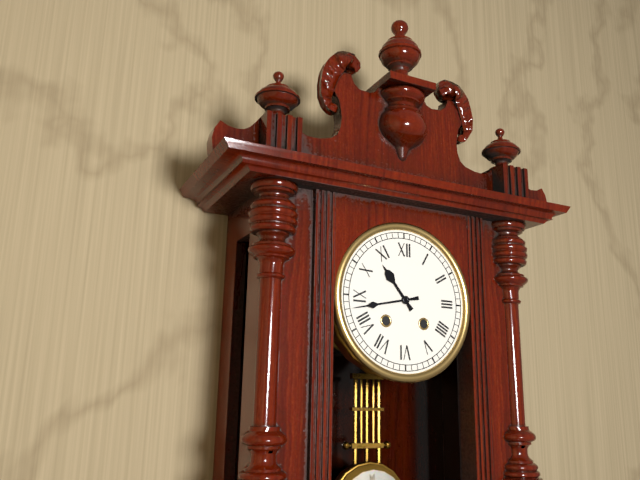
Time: h=10 m=43
